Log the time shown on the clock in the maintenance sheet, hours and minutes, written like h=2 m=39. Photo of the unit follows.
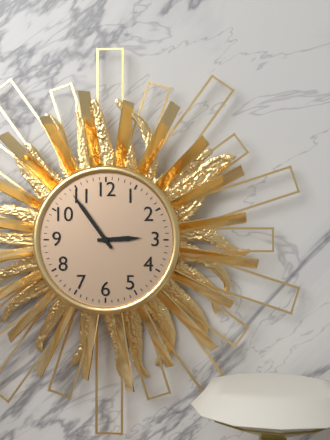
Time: h=2 m=54
